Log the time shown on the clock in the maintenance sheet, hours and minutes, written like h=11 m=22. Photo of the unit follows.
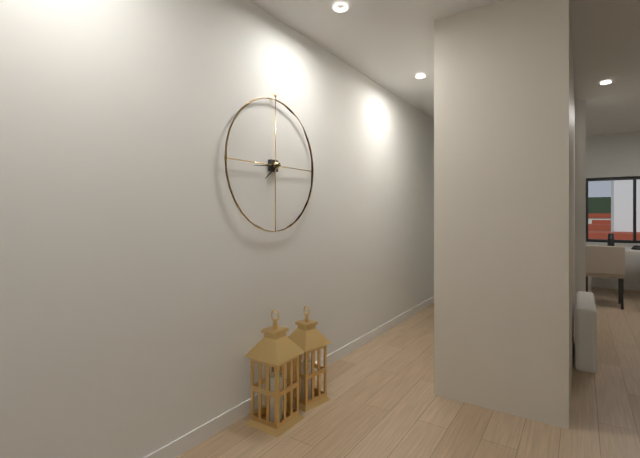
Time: h=7 m=44
